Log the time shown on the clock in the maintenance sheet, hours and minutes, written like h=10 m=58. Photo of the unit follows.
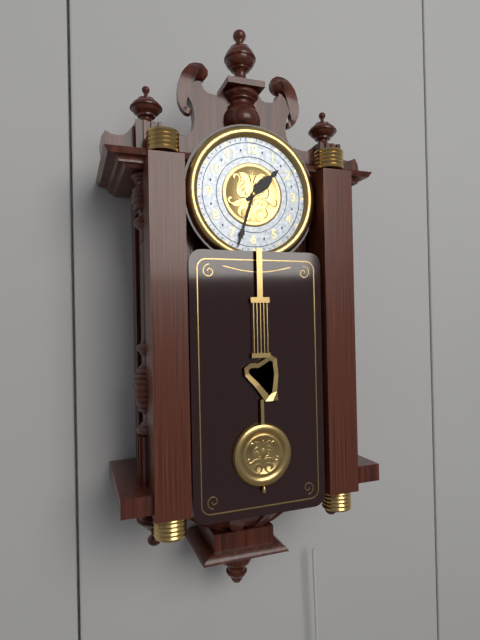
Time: h=1 m=33
